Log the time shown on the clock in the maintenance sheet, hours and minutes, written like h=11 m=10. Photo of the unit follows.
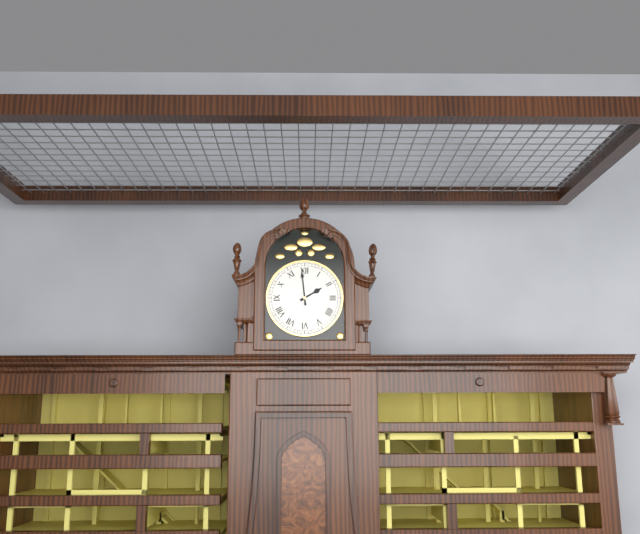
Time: h=1 m=59
